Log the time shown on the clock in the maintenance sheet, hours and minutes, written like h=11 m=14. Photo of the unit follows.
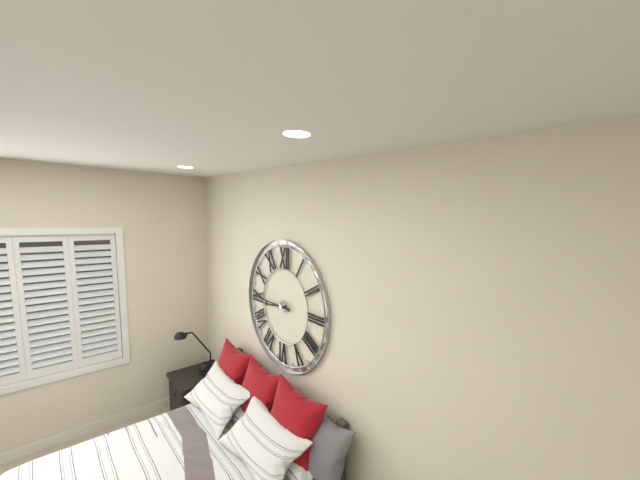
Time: h=8 m=45
